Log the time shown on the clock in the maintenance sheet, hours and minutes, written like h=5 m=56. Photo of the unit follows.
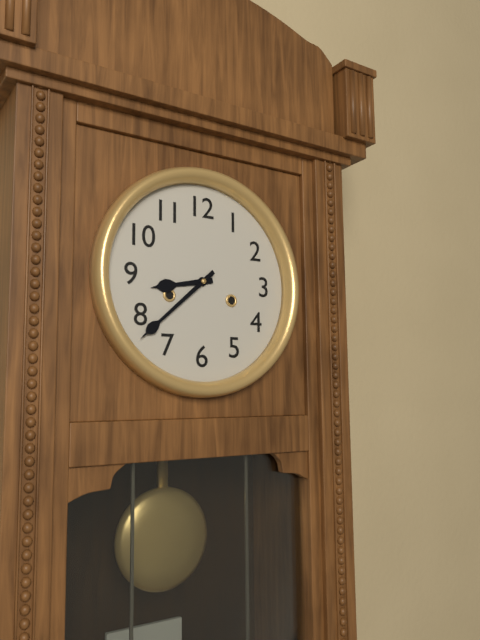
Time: h=8 m=38
